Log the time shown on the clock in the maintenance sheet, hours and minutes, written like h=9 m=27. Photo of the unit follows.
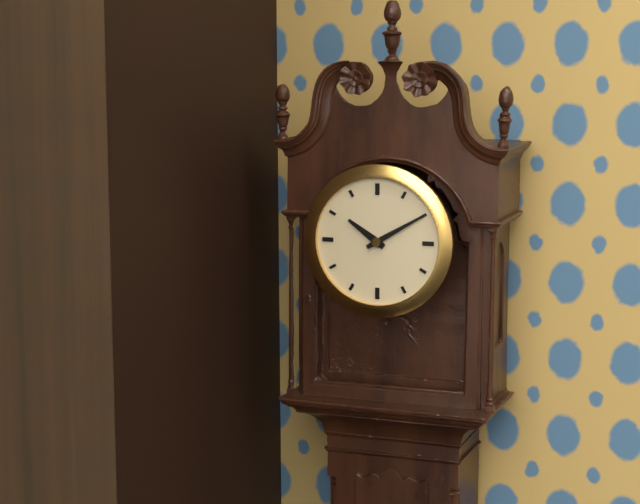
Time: h=10 m=10
